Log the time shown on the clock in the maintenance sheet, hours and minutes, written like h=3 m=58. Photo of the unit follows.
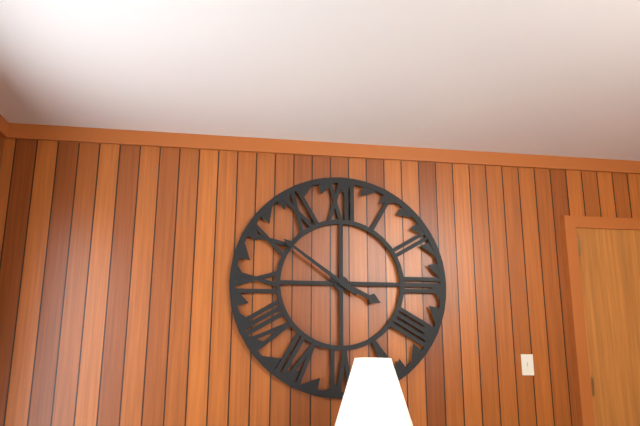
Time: h=3 m=51
